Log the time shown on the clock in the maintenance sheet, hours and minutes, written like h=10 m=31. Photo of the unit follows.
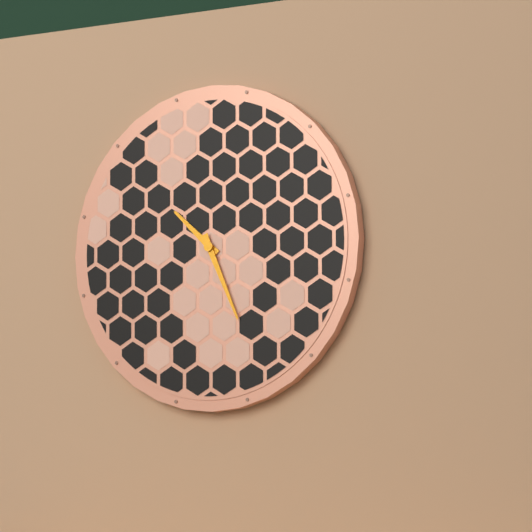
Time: h=10 m=26
